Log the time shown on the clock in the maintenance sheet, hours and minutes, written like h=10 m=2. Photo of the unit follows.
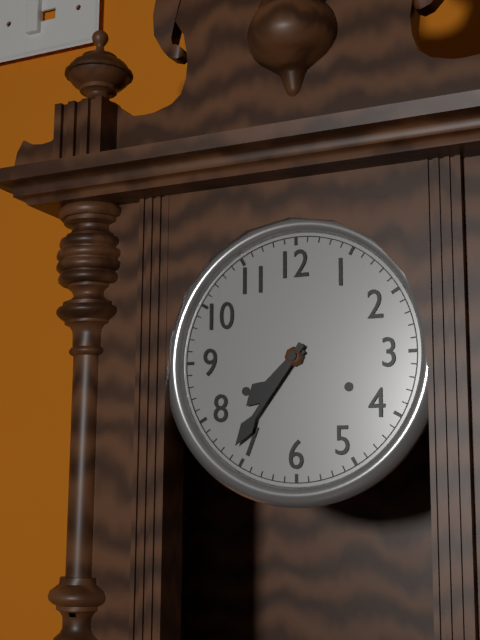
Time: h=7 m=36
